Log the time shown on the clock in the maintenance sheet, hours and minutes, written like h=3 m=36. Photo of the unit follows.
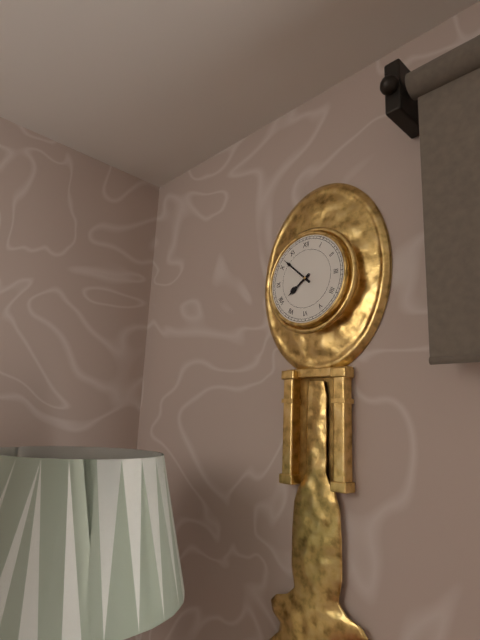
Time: h=7 m=52
